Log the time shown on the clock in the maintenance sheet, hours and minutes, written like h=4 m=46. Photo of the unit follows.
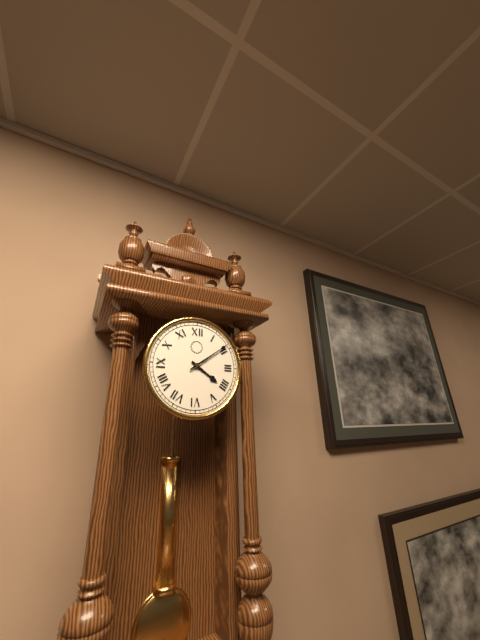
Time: h=4 m=9
